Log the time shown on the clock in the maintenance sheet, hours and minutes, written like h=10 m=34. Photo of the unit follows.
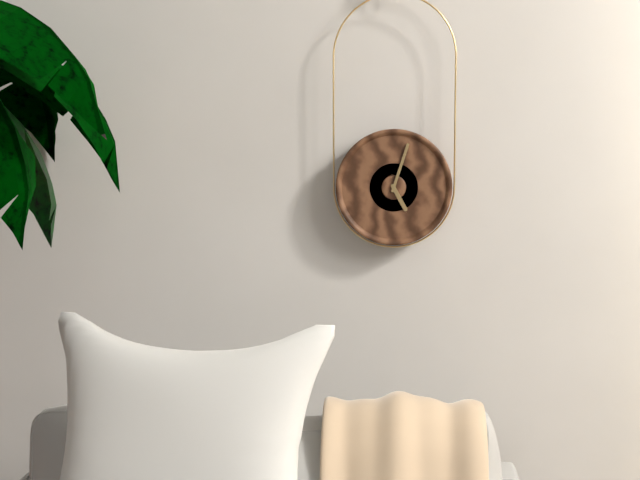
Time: h=5 m=3
